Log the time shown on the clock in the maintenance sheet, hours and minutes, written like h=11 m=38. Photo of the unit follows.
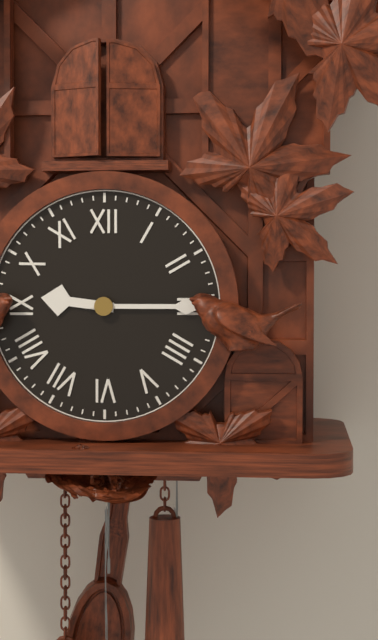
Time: h=9 m=15
